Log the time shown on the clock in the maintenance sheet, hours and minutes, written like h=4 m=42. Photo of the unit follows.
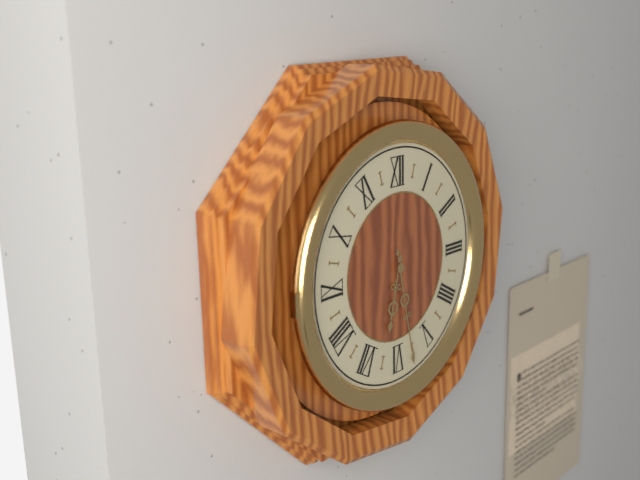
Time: h=6 m=28
